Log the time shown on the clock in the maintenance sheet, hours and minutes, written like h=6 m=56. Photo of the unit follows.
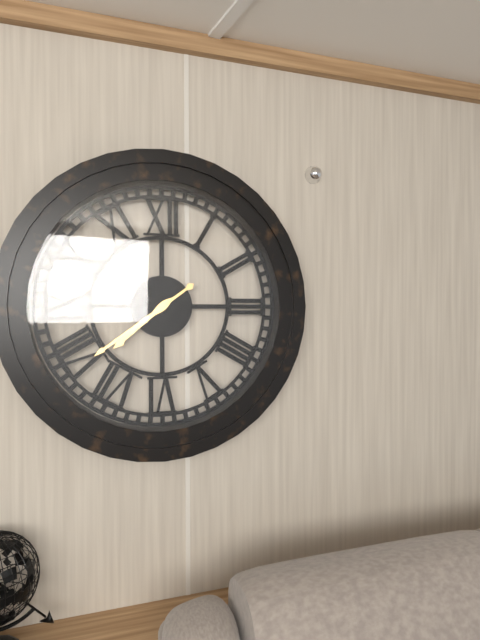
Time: h=7 m=39
